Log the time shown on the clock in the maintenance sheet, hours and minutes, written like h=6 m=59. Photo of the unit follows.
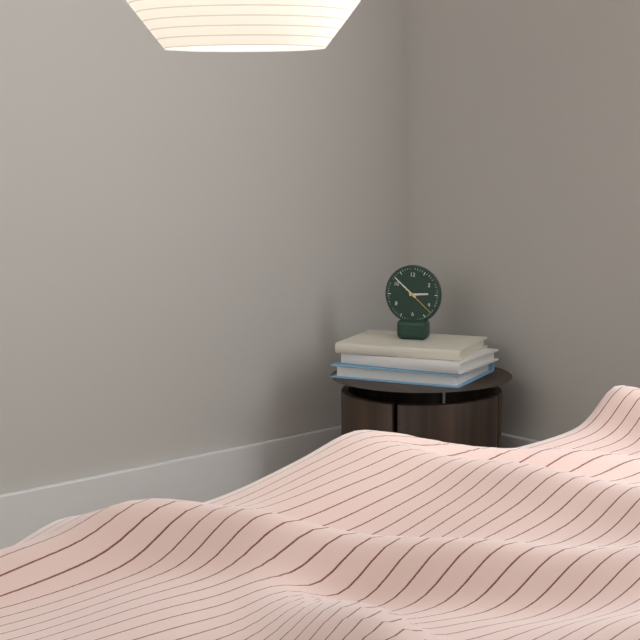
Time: h=2 m=52
